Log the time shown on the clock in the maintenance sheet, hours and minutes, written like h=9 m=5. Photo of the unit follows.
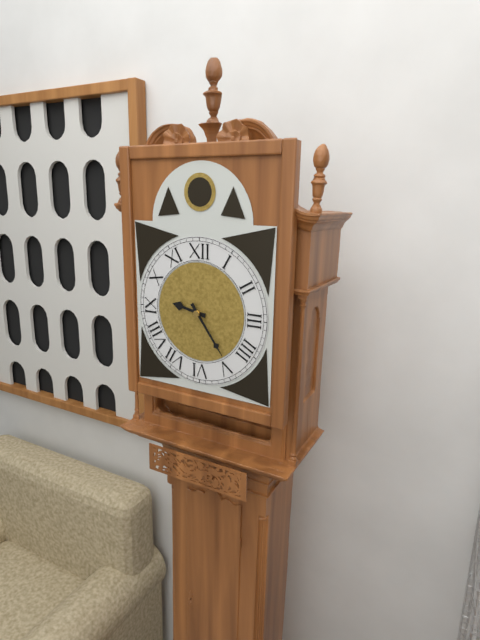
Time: h=9 m=24
